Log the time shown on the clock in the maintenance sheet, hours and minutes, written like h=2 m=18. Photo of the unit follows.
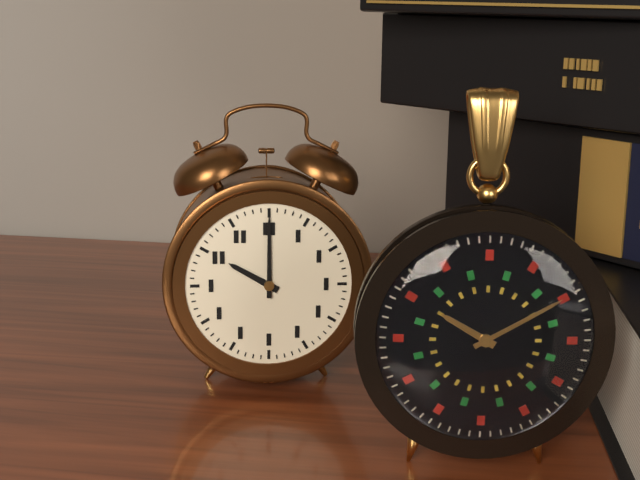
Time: h=10 m=0
